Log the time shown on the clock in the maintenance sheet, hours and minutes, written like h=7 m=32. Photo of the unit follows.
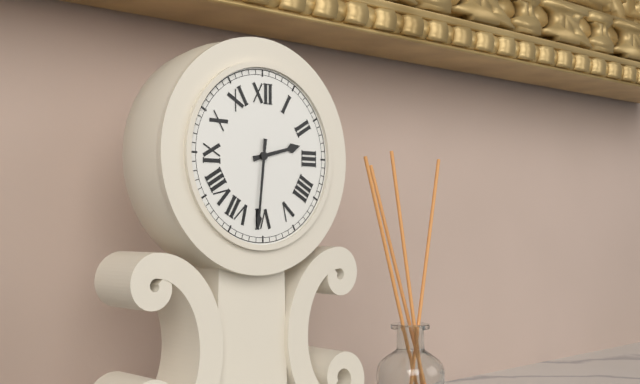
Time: h=2 m=31
